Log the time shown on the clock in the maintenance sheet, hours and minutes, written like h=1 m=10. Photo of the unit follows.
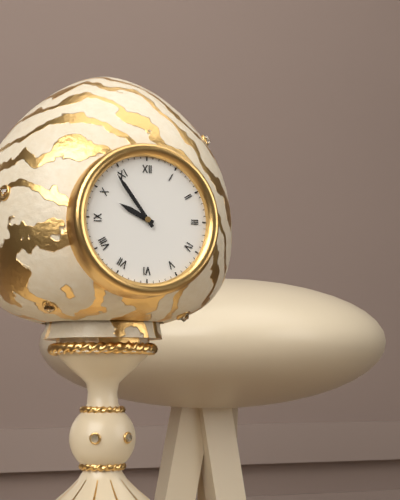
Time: h=9 m=54
